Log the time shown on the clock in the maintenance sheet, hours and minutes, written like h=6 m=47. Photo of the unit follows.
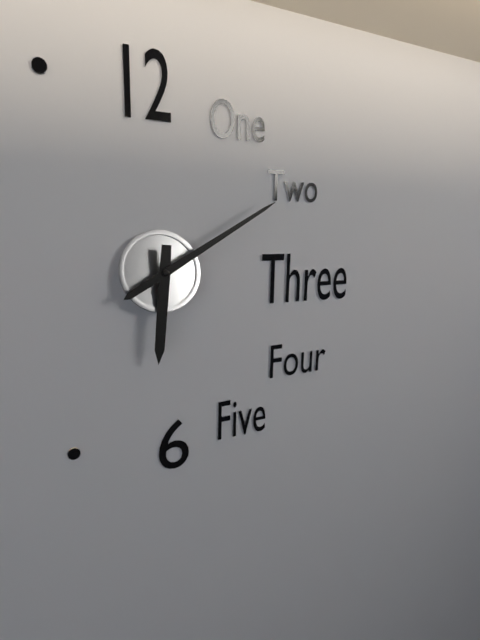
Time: h=6 m=10
